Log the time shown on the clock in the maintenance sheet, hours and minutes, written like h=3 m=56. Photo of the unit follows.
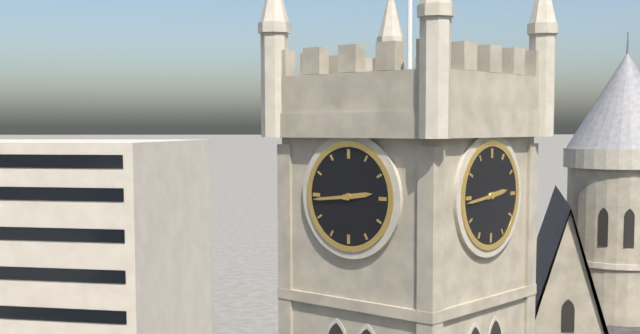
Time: h=2 m=44
